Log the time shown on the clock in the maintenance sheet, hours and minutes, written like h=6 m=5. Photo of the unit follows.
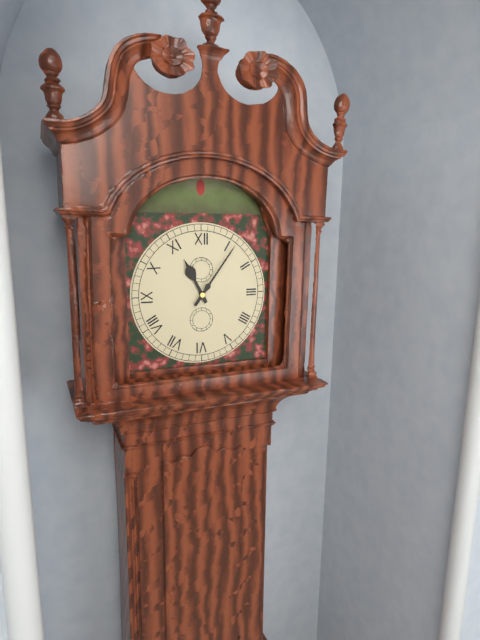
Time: h=11 m=6
